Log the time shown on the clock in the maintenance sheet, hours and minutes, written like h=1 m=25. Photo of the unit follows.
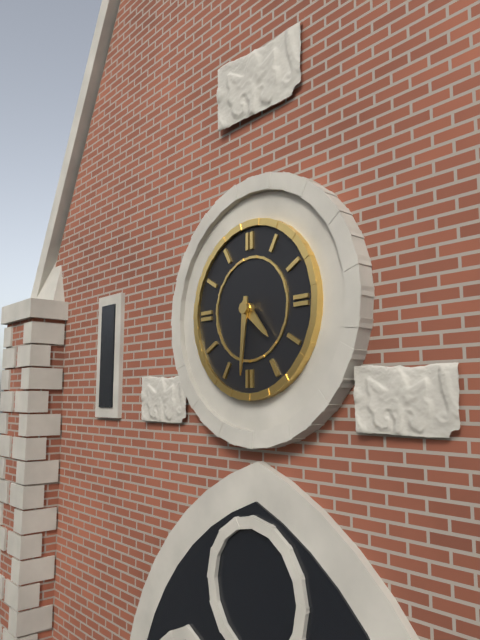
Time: h=4 m=31
